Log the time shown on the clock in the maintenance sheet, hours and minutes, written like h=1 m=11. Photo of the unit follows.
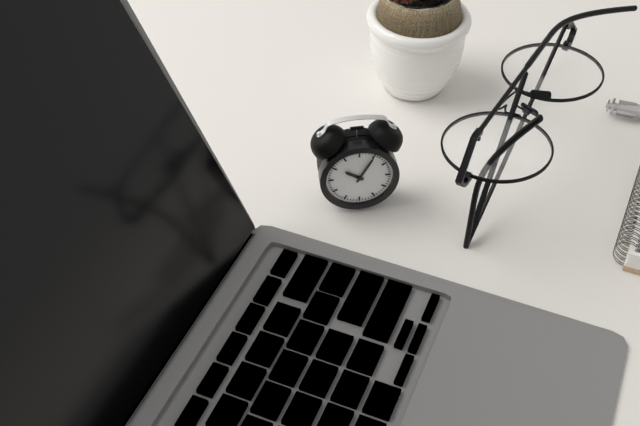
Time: h=10 m=5
